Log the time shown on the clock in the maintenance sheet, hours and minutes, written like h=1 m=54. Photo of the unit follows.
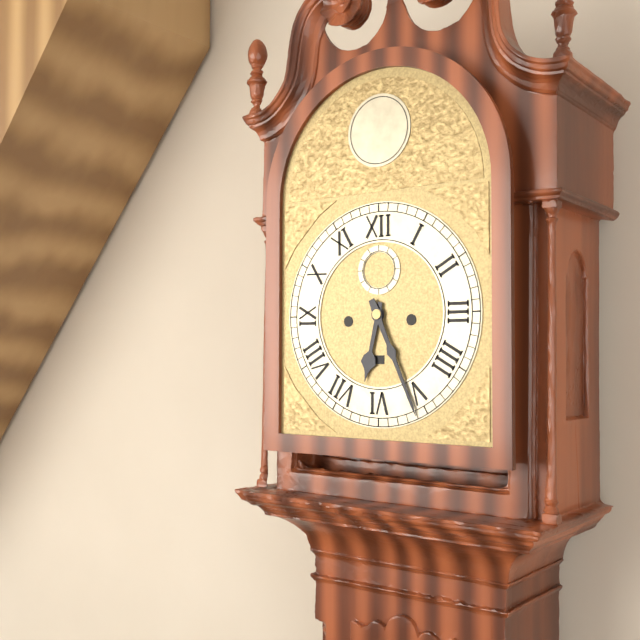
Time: h=6 m=26
